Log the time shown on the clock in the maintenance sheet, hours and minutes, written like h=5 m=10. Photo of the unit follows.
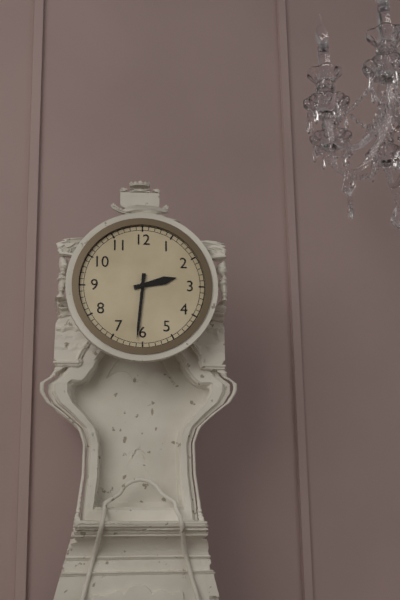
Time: h=2 m=31
